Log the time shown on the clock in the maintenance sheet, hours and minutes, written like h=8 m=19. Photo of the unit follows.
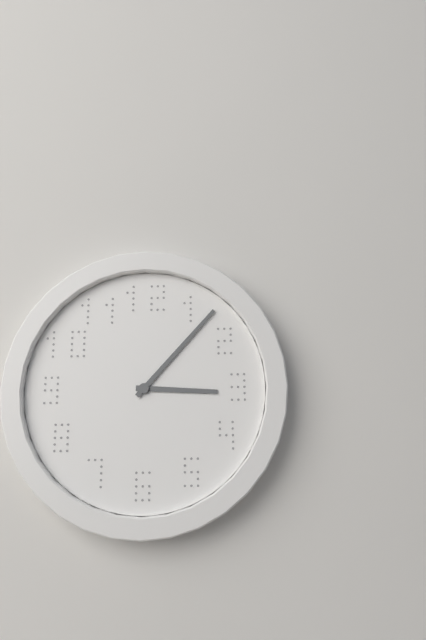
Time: h=3 m=7
